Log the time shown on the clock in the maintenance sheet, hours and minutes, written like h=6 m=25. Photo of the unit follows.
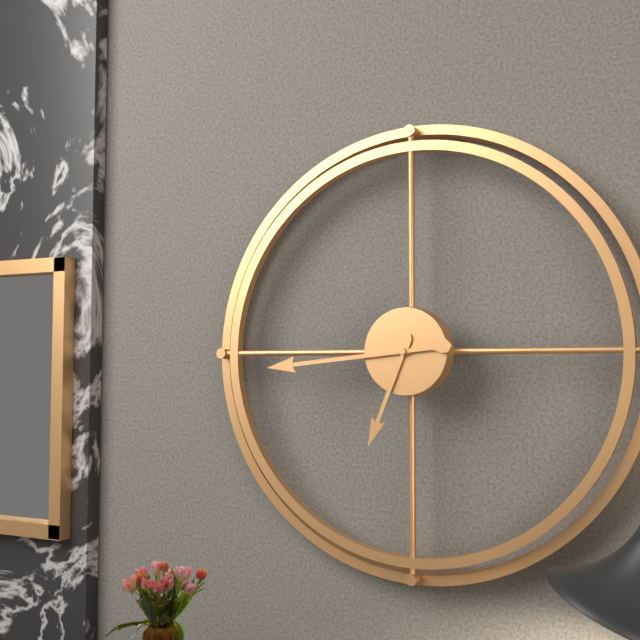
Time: h=6 m=44
